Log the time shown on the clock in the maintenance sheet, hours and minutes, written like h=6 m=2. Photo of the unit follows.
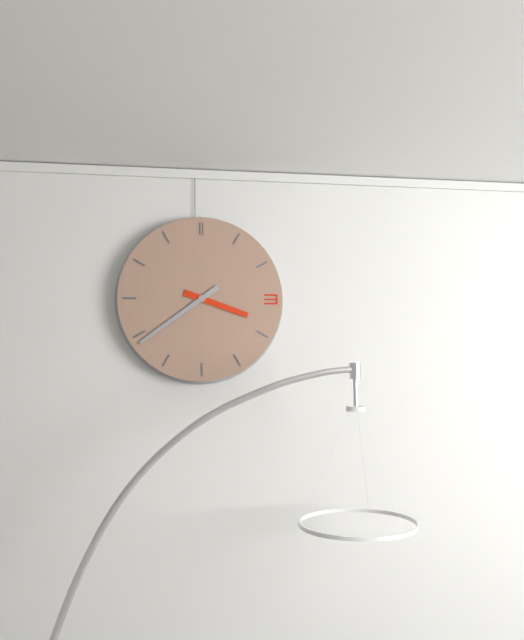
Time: h=3 m=39
